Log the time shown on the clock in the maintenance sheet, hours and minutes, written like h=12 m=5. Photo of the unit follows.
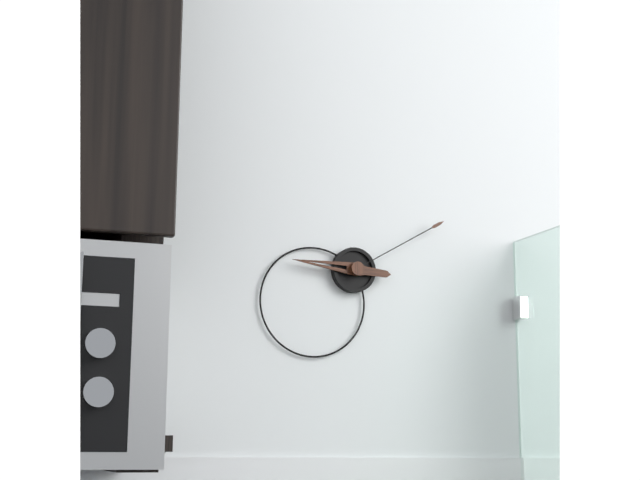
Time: h=9 m=10
